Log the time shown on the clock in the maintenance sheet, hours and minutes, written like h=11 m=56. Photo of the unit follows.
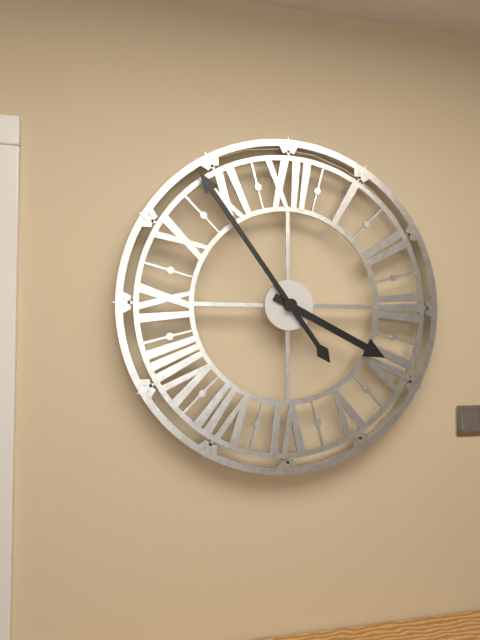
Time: h=3 m=54
